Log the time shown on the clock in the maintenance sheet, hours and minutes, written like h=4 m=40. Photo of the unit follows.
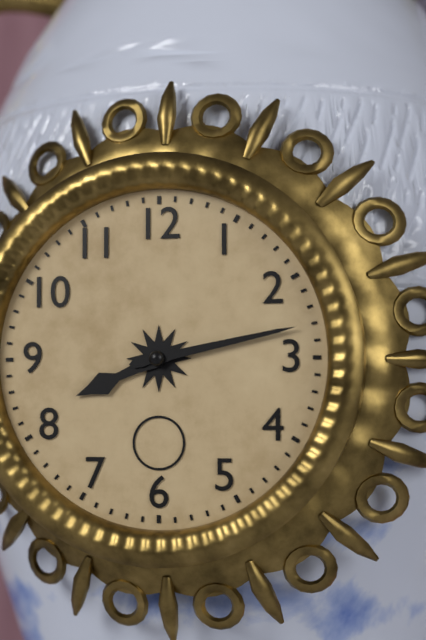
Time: h=8 m=13
